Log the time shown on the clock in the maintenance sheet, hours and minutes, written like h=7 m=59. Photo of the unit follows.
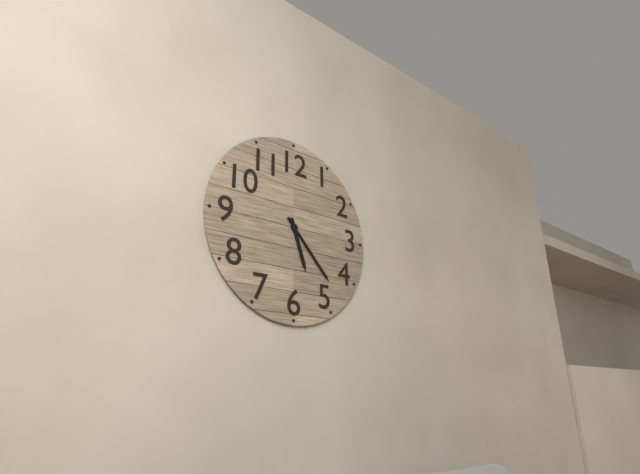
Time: h=5 m=23
